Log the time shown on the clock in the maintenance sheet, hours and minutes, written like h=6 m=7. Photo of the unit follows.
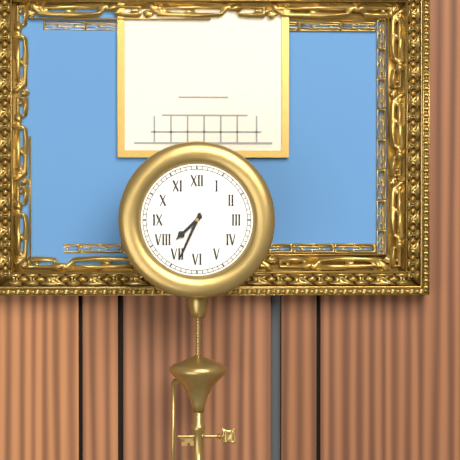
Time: h=7 m=34
